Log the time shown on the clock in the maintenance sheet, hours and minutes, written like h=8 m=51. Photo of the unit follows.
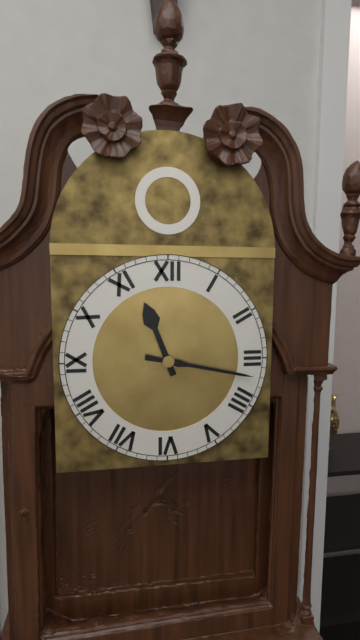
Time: h=11 m=17
